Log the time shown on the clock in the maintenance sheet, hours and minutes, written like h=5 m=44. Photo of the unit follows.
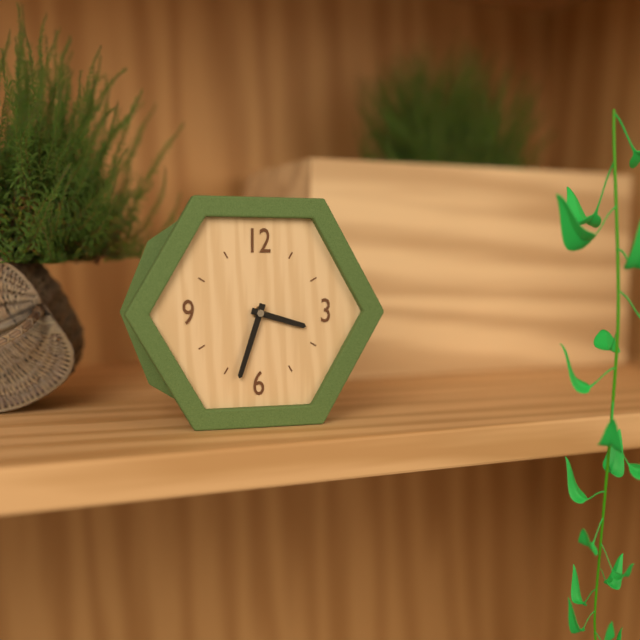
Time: h=3 m=33
